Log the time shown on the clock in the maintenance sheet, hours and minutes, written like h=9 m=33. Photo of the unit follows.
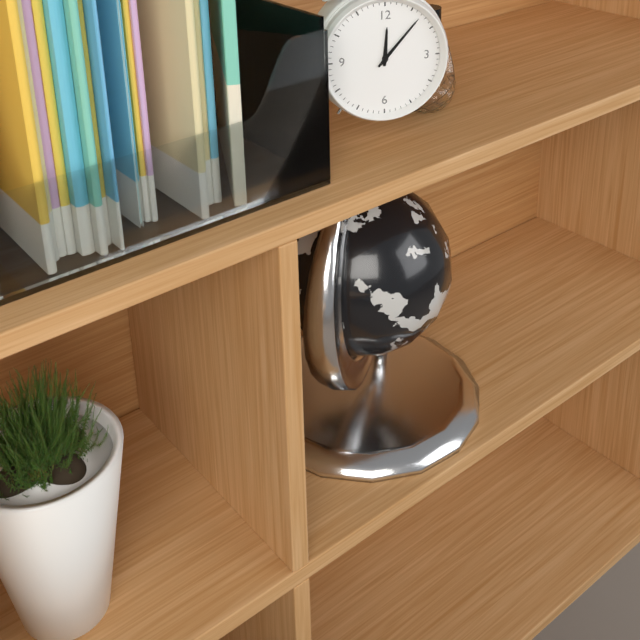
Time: h=12 m=7
